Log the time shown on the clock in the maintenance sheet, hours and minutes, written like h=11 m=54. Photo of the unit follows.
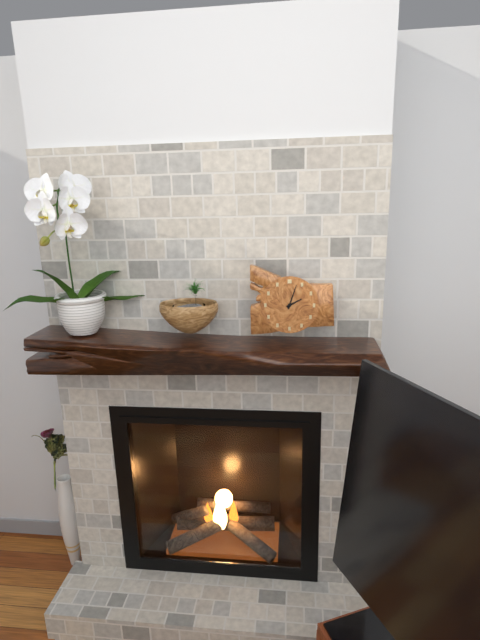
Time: h=2 m=3
